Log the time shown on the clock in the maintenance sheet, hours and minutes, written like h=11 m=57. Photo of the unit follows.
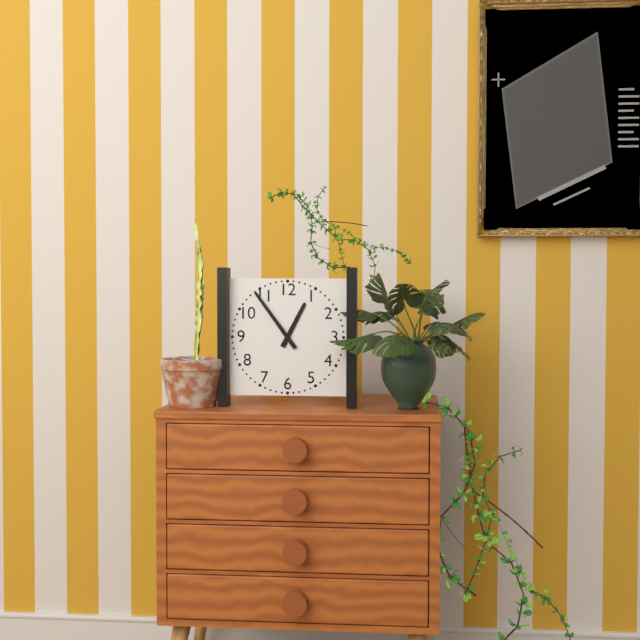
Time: h=12 m=54
